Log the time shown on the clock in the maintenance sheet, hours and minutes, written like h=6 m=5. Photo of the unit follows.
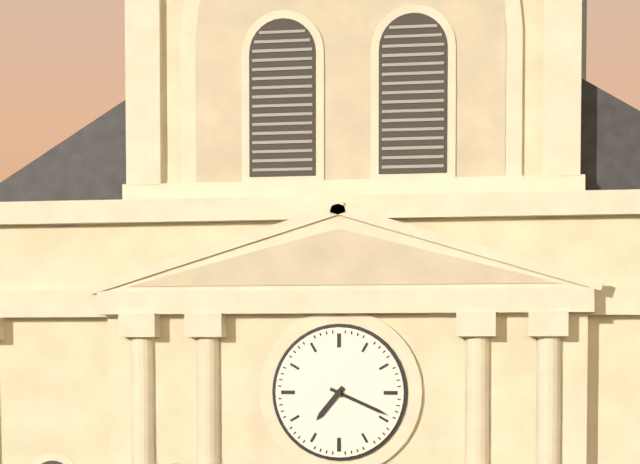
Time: h=7 m=19
